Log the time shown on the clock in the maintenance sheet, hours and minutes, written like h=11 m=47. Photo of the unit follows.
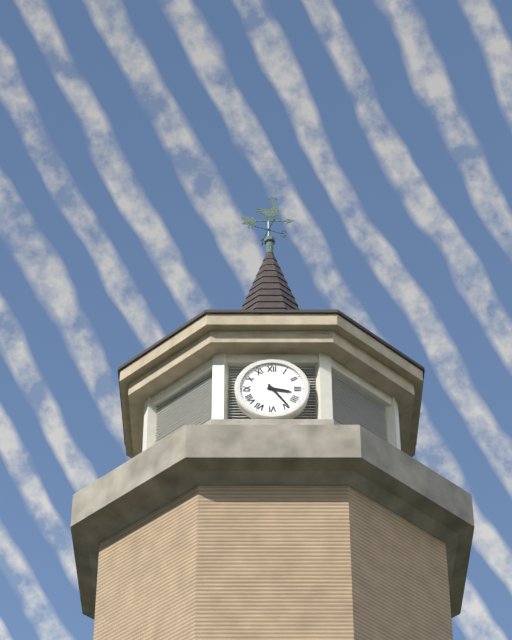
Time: h=3 m=24
